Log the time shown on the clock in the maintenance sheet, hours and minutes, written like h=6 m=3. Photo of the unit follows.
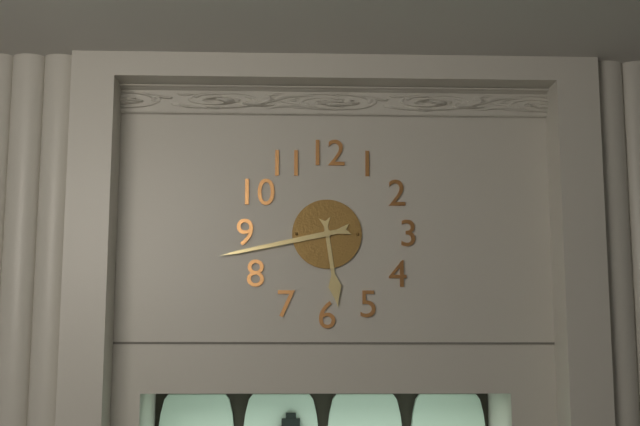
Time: h=5 m=43
